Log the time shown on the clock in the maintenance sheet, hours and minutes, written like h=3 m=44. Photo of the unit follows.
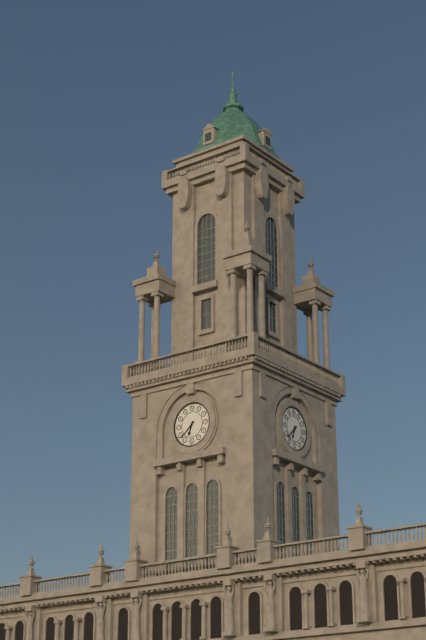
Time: h=6 m=38
